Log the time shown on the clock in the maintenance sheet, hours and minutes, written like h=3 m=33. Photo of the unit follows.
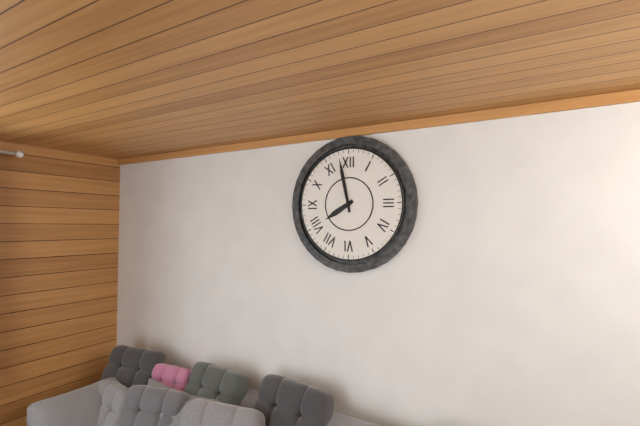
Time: h=7 m=58
